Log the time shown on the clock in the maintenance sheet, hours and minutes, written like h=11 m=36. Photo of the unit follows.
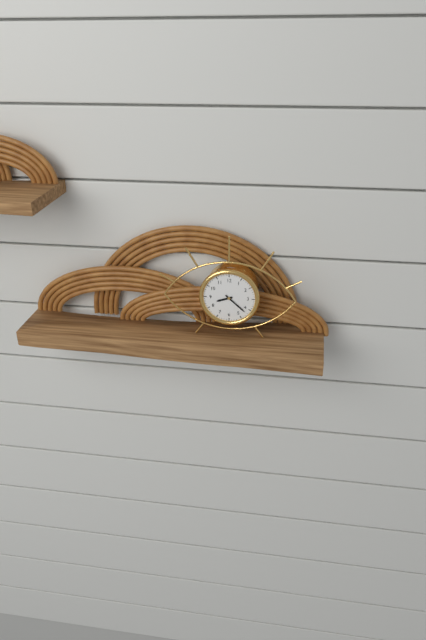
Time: h=8 m=22
